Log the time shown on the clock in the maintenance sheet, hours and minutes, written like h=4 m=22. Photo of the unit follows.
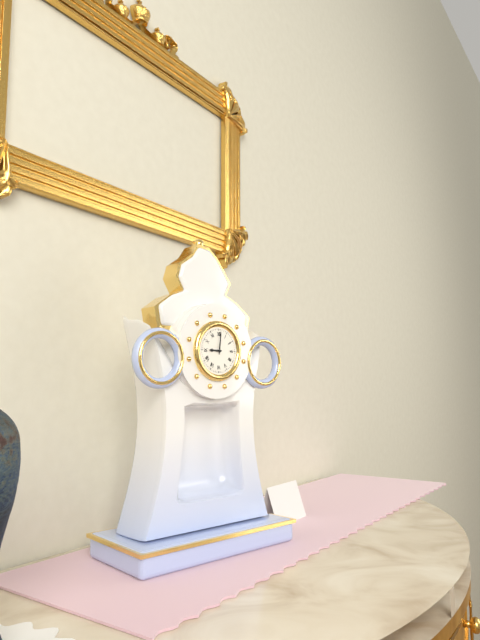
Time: h=9 m=1
